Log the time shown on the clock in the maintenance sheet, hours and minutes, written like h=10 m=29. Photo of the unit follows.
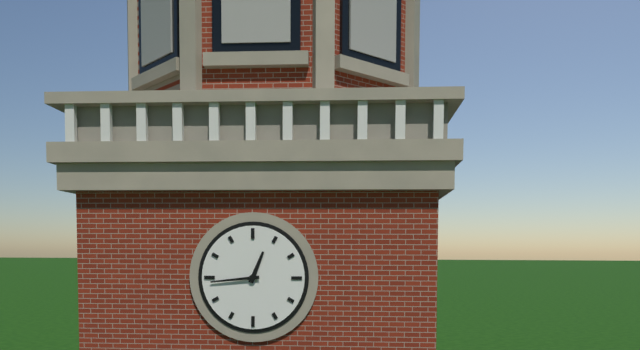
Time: h=12 m=44
